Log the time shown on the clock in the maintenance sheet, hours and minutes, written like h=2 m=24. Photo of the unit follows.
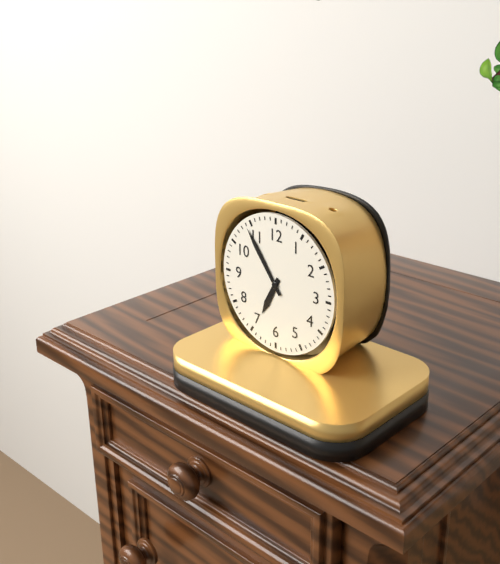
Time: h=6 m=54
